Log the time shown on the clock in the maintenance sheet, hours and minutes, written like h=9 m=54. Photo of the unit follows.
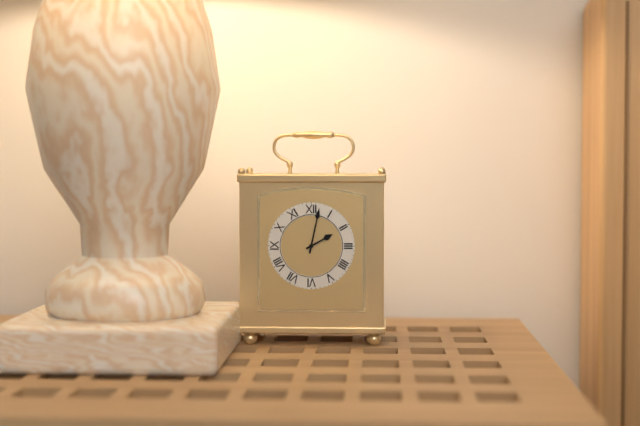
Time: h=2 m=2
